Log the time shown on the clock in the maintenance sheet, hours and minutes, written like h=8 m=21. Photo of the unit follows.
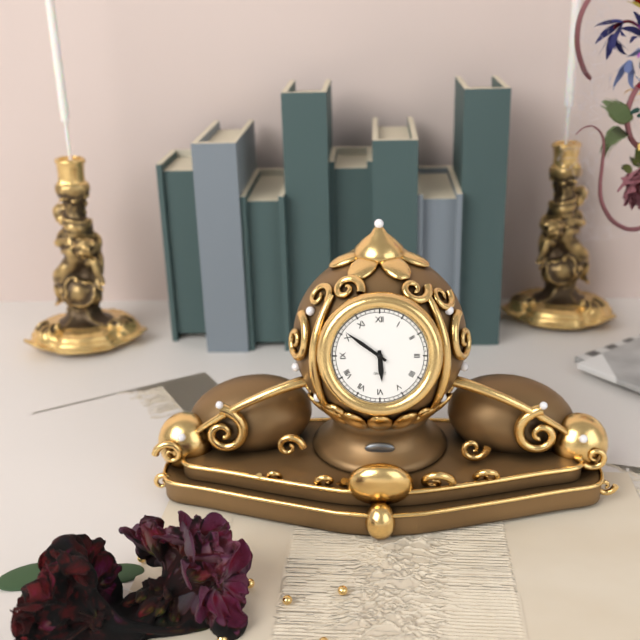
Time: h=5 m=51
